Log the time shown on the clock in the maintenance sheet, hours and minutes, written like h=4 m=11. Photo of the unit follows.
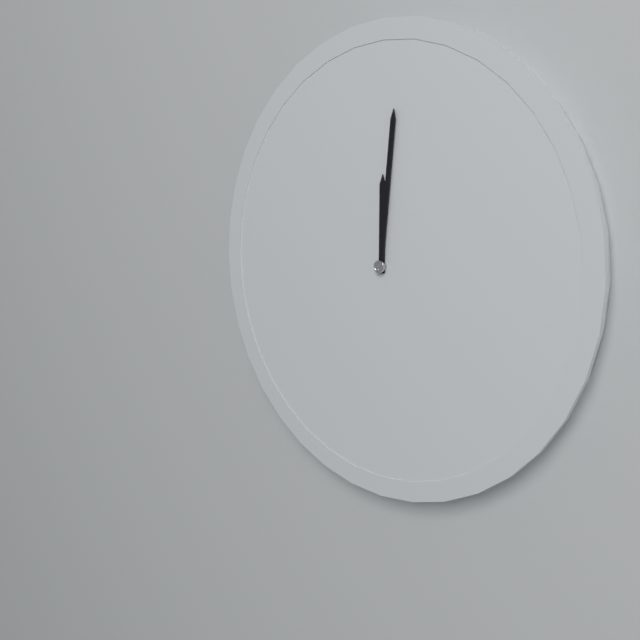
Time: h=12 m=1
